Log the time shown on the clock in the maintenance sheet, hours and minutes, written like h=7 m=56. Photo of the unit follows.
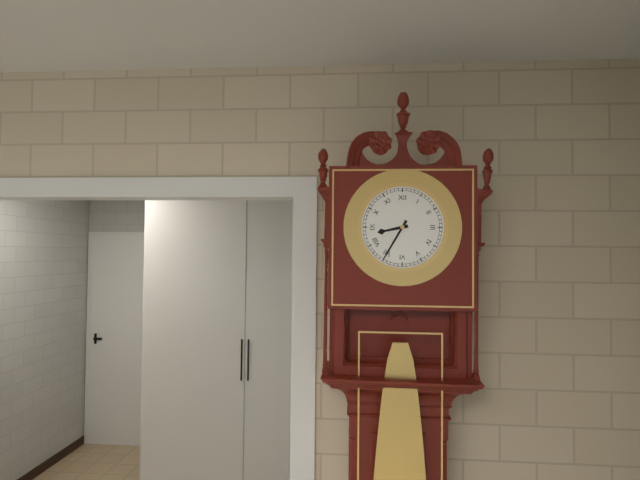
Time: h=8 m=35
